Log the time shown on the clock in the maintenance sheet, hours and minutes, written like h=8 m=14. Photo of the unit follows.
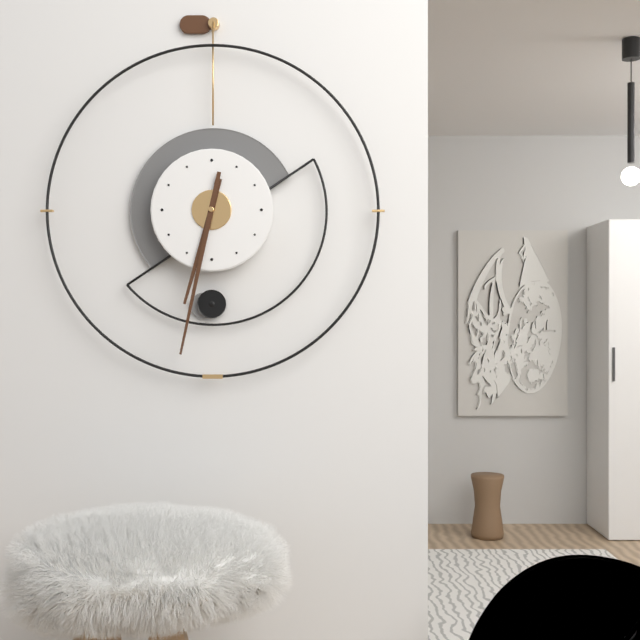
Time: h=6 m=32
